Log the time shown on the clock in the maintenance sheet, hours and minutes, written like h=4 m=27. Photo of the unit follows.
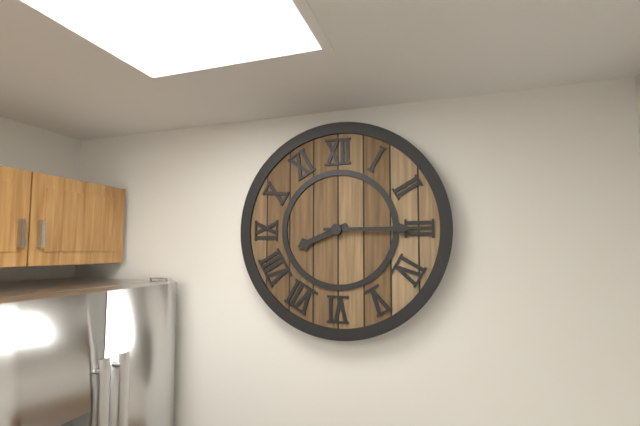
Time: h=8 m=15
